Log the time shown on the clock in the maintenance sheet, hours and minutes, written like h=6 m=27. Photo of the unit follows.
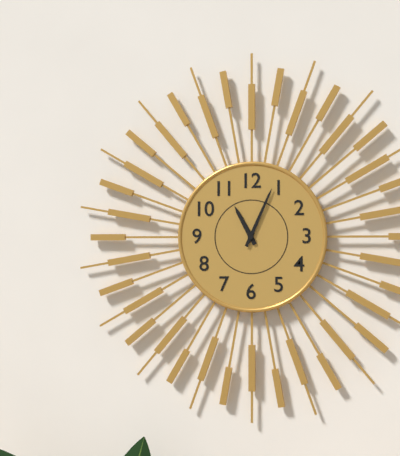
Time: h=11 m=4
